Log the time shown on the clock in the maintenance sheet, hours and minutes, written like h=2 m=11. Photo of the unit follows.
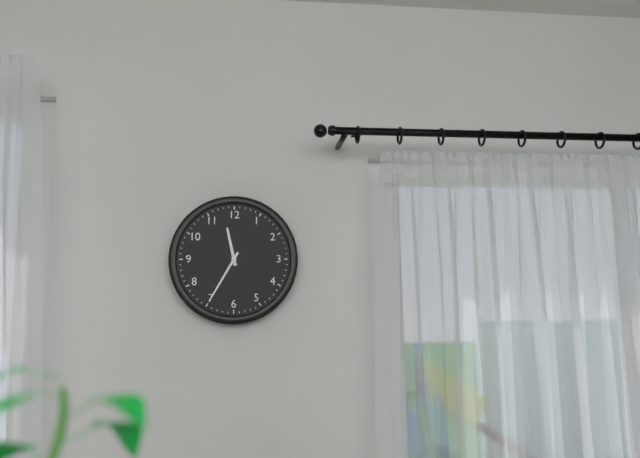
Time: h=11 m=35
